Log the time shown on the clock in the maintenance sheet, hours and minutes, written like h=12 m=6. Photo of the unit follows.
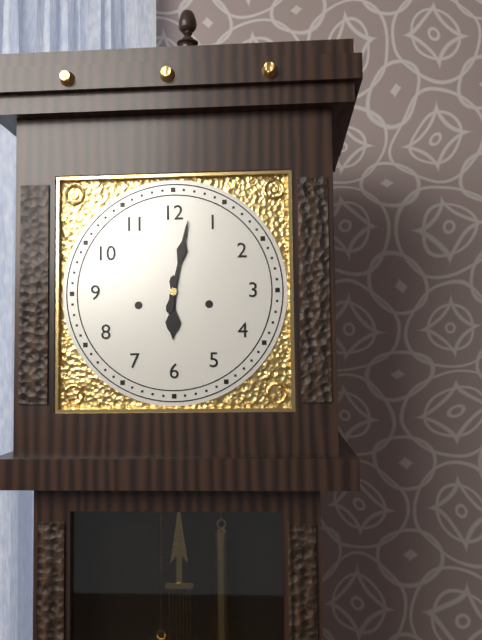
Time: h=6 m=2
